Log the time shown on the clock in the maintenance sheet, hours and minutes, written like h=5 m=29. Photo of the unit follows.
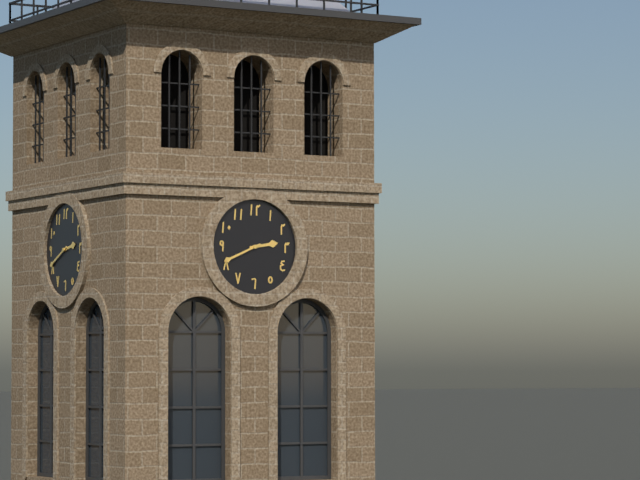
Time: h=2 m=41
